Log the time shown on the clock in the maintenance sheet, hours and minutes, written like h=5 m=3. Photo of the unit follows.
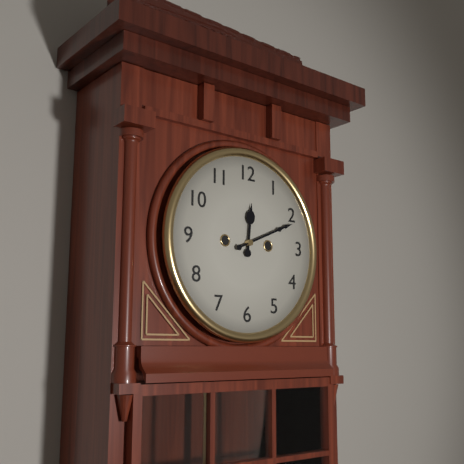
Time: h=12 m=11
